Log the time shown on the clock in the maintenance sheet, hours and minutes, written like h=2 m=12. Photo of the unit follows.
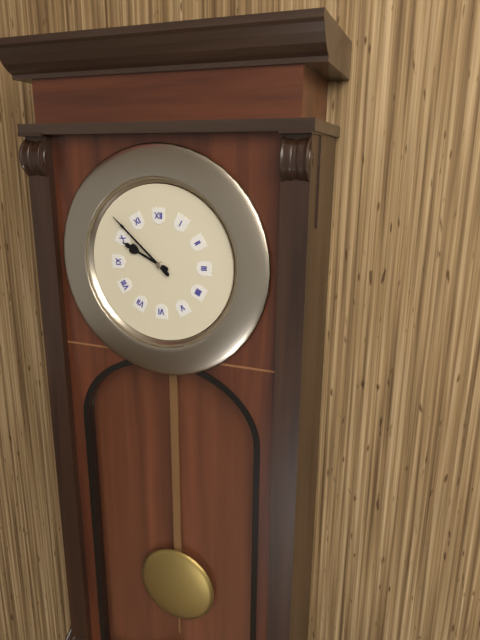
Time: h=9 m=52
